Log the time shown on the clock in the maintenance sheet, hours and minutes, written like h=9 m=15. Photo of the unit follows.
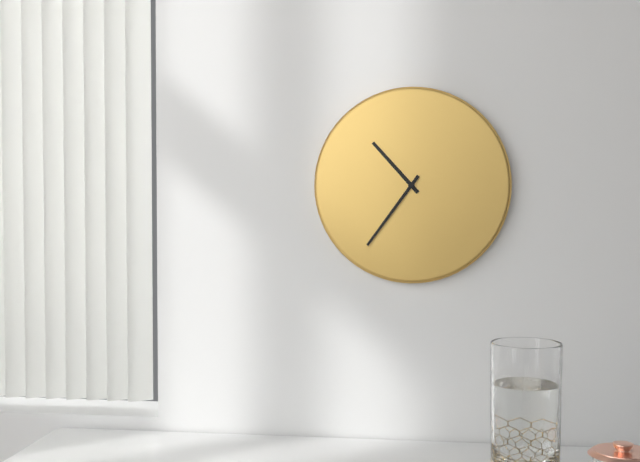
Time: h=10 m=36
